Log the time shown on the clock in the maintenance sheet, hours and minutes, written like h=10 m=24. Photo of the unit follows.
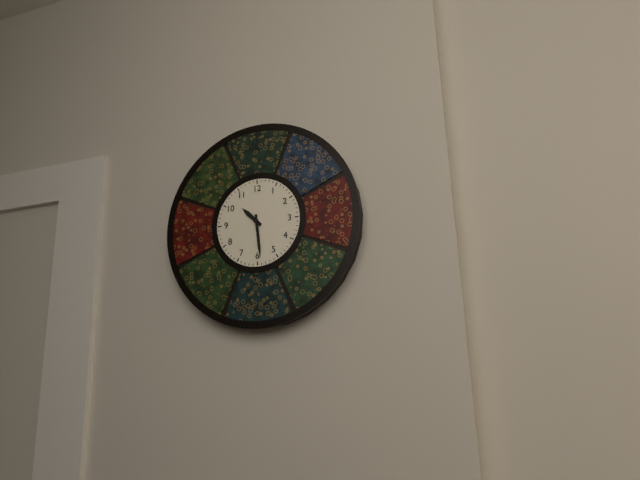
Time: h=10 m=29
